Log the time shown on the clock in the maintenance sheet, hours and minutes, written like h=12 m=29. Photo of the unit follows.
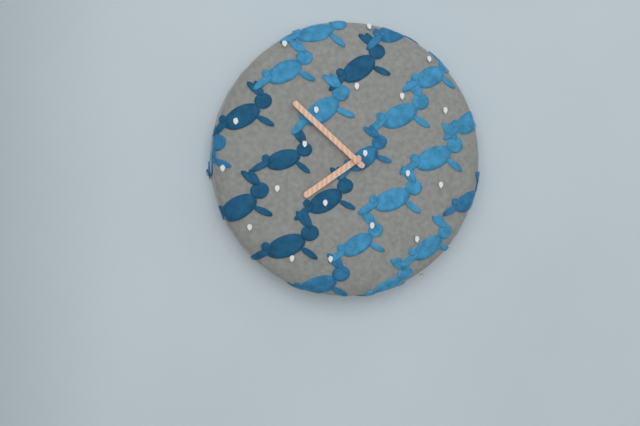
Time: h=7 m=52
